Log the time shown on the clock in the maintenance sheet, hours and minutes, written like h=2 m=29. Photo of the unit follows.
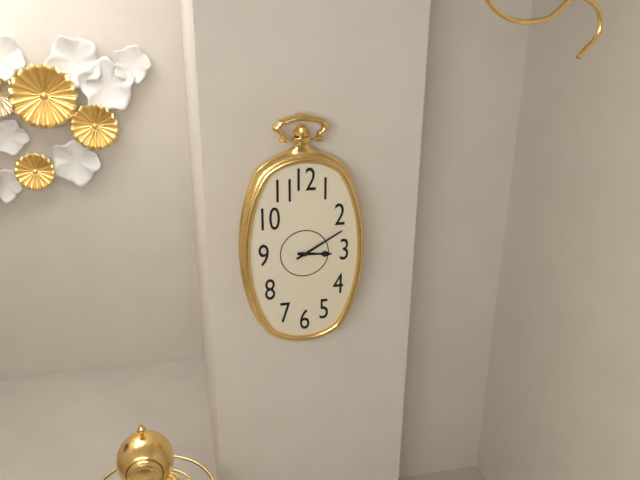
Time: h=3 m=10
